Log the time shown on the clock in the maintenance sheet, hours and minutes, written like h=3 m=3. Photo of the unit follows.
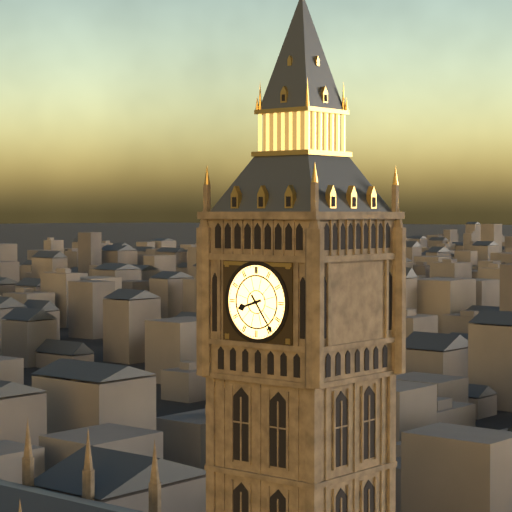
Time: h=8 m=24
